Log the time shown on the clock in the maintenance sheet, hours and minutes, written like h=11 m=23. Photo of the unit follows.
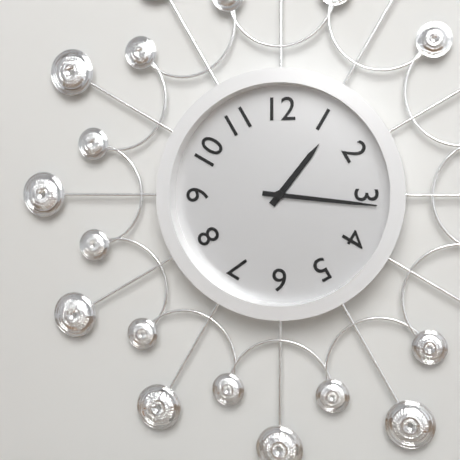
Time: h=1 m=16
